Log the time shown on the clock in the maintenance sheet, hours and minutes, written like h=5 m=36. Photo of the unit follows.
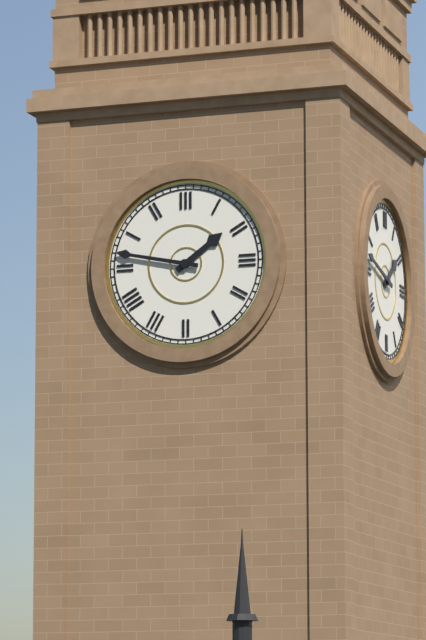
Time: h=1 m=47
